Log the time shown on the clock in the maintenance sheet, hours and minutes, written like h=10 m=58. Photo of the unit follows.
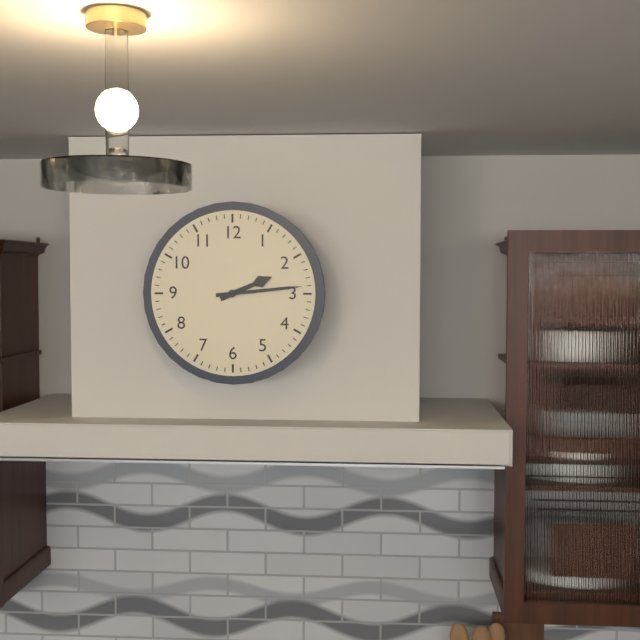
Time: h=2 m=14
